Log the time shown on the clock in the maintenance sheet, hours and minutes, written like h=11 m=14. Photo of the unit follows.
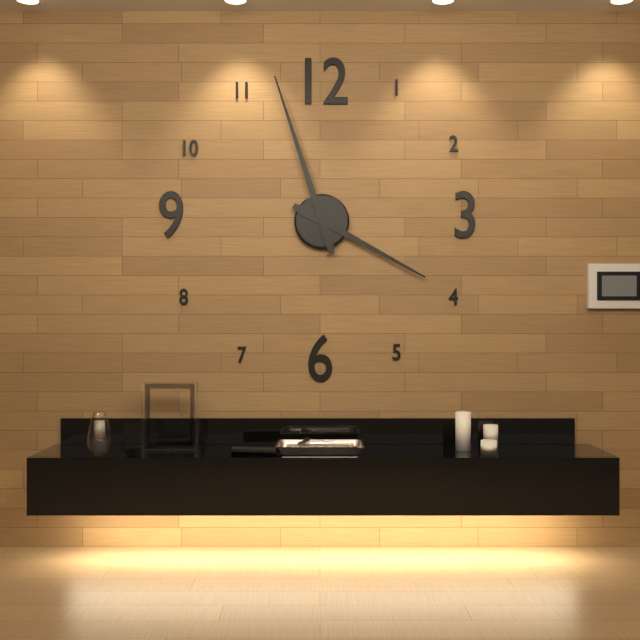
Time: h=3 m=57
